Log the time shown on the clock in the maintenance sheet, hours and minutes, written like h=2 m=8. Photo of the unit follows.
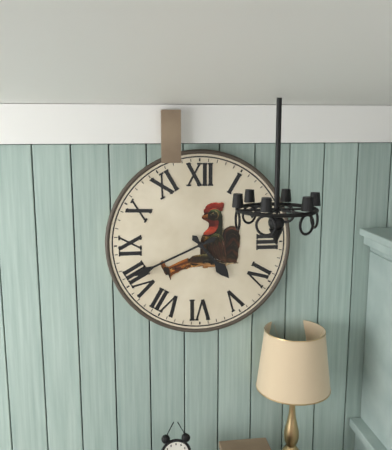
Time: h=4 m=41
